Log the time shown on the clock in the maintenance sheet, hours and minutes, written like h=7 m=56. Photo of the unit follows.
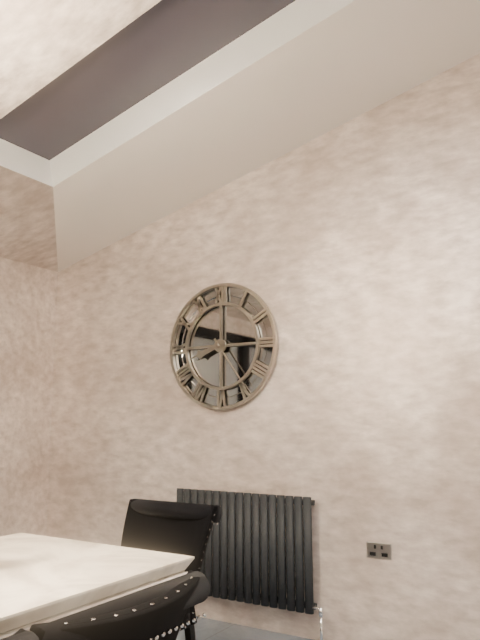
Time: h=8 m=24
